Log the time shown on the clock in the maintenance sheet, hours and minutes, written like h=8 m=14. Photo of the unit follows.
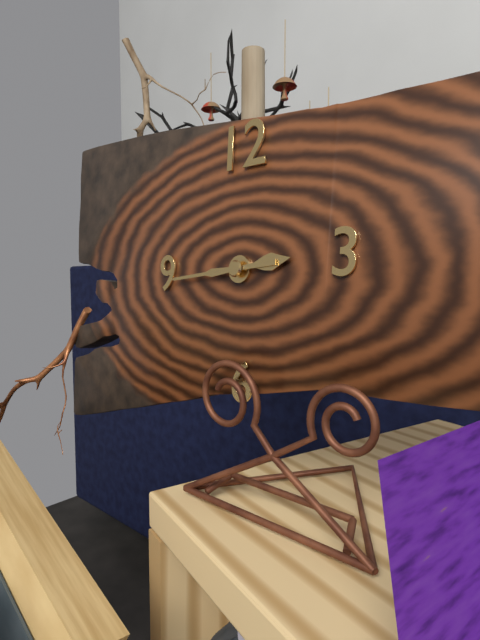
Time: h=2 m=44
